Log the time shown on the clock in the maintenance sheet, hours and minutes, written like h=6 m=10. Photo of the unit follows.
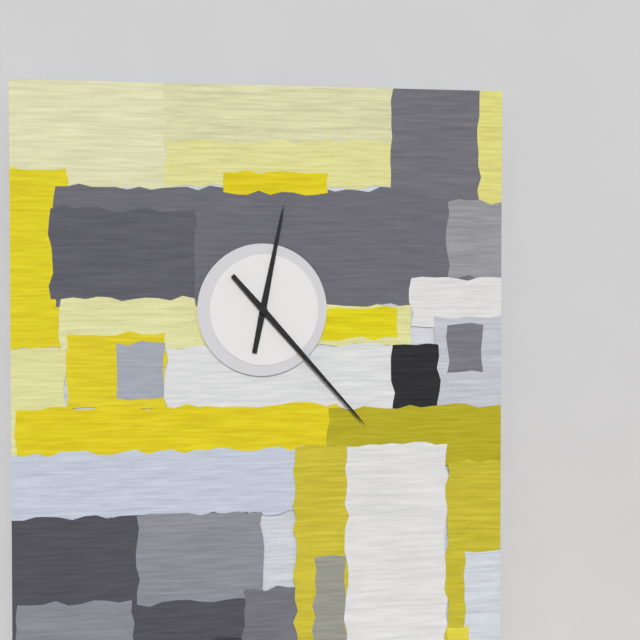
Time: h=12 m=23
